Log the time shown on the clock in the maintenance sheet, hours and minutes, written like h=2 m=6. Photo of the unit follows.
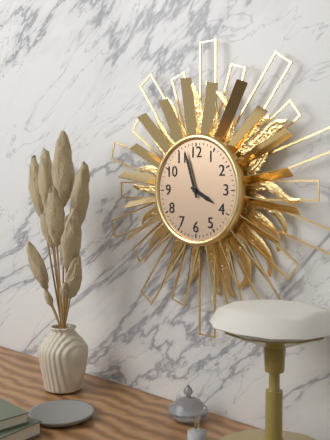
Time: h=3 m=57
